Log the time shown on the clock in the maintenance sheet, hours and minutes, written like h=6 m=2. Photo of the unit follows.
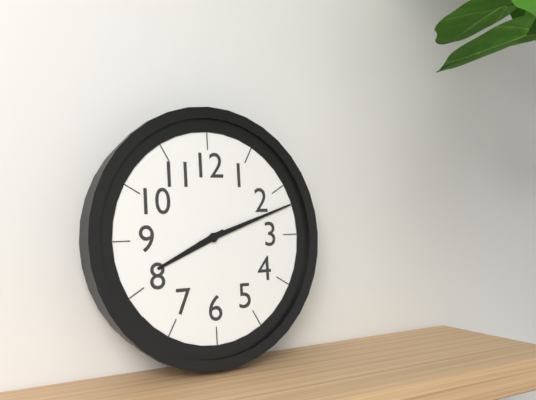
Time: h=8 m=12
